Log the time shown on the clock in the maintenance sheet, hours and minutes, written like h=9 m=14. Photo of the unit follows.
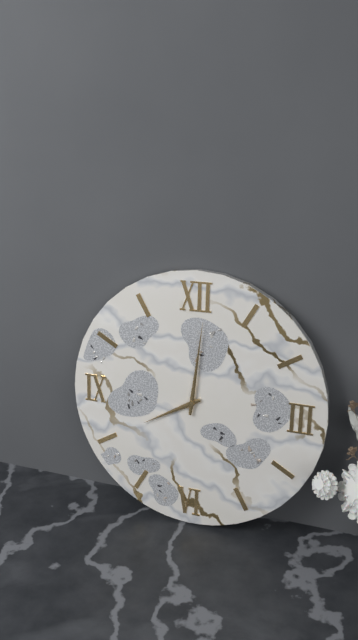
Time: h=8 m=1
